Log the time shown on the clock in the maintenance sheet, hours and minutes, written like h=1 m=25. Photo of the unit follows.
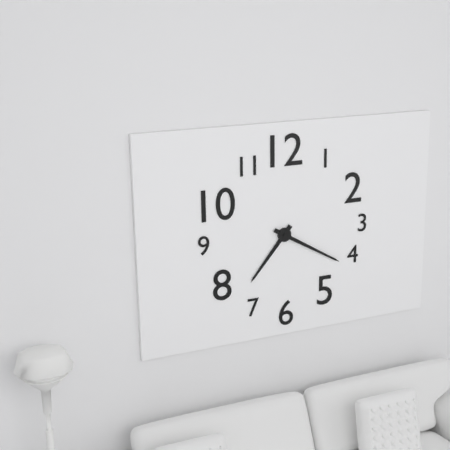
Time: h=7 m=20
